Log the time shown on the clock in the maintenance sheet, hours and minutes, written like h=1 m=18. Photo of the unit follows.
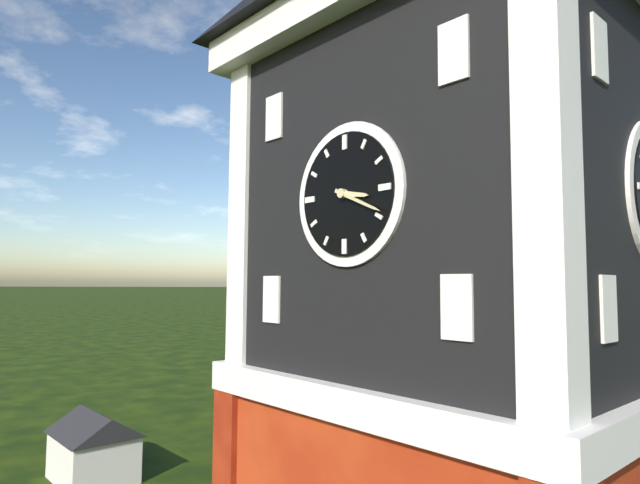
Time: h=3 m=19
